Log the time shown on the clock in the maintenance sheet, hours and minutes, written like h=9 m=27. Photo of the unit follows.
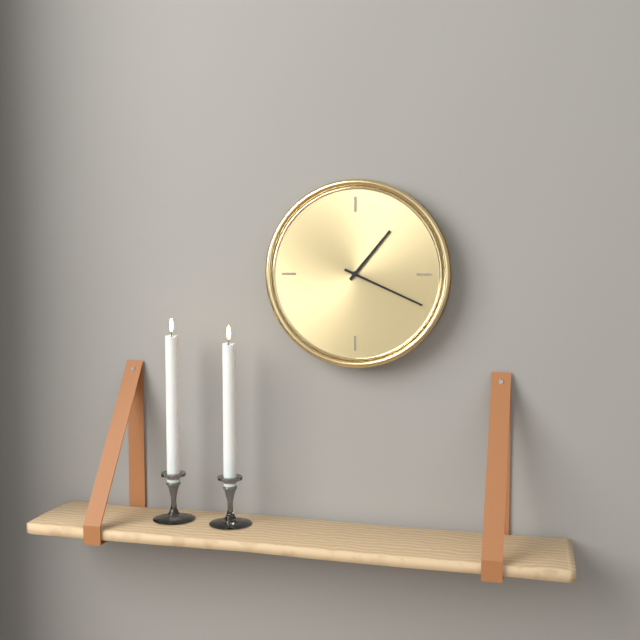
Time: h=1 m=19
